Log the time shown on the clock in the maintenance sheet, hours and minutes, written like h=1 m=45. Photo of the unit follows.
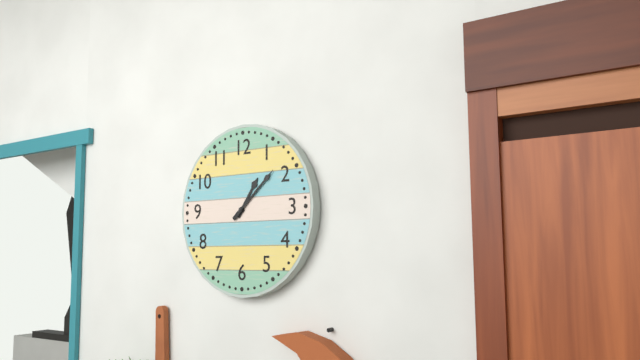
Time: h=1 m=8
